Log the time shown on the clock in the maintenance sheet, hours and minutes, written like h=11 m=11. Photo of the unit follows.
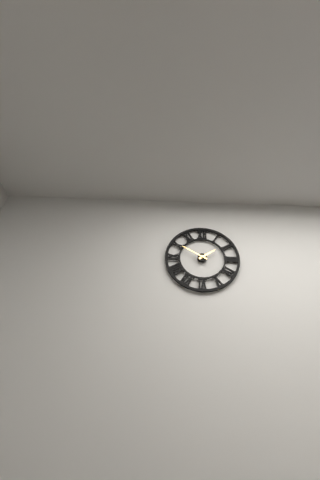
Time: h=1 m=50
